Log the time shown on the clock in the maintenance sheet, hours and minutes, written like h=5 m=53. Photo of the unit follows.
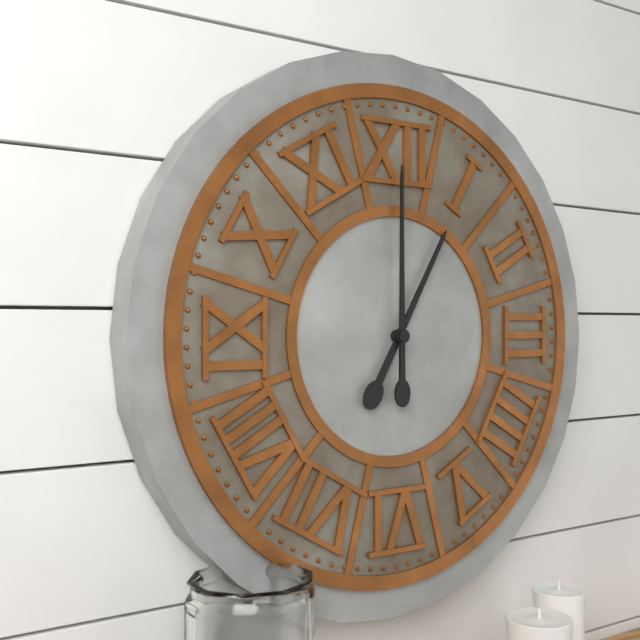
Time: h=1 m=0
